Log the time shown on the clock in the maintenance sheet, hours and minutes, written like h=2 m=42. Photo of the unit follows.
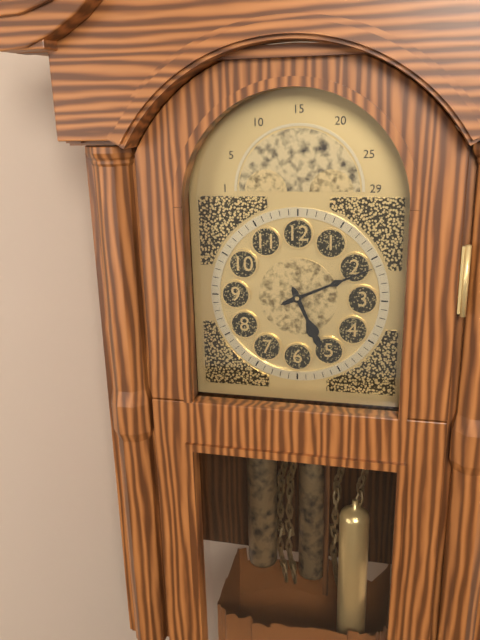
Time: h=5 m=11
